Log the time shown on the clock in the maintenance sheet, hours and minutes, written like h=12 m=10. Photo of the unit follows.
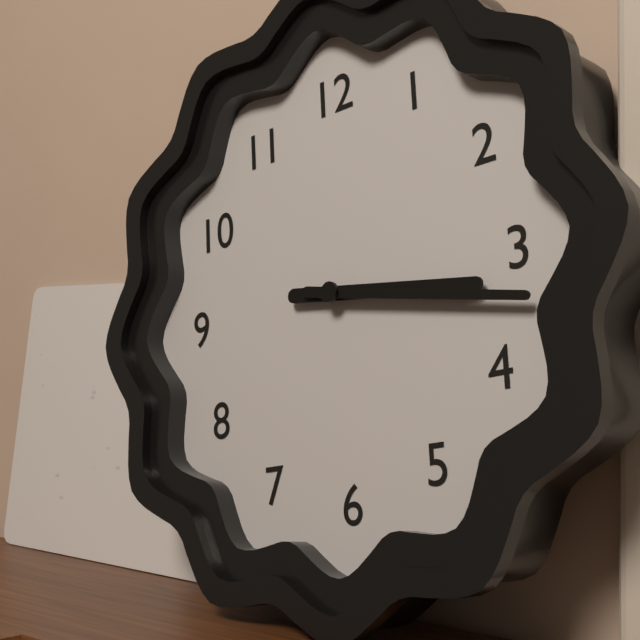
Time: h=3 m=17
